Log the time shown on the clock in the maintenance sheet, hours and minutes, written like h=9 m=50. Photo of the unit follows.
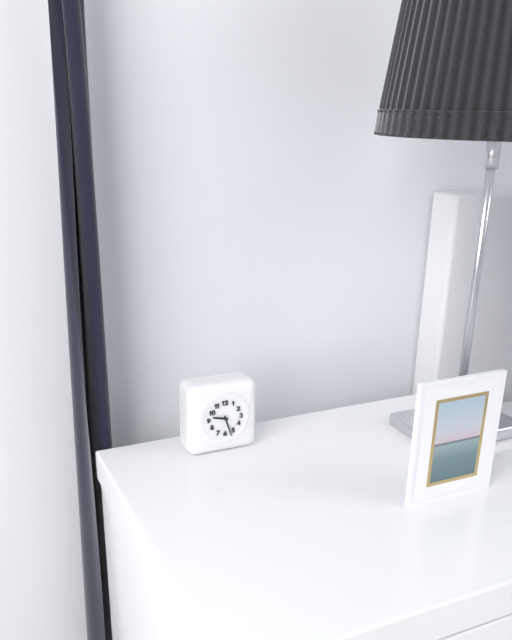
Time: h=9 m=27
